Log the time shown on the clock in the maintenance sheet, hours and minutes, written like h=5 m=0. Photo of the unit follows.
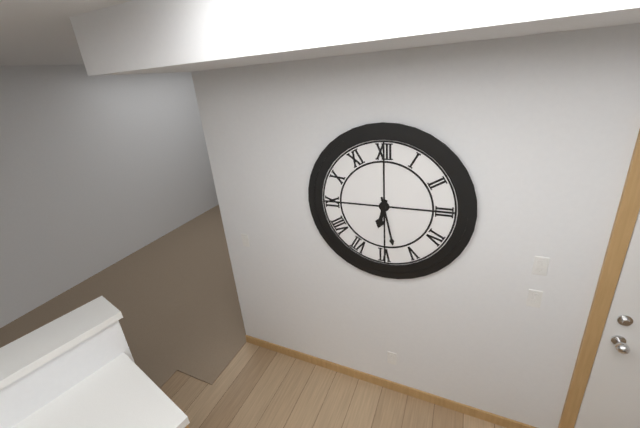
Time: h=6 m=28
